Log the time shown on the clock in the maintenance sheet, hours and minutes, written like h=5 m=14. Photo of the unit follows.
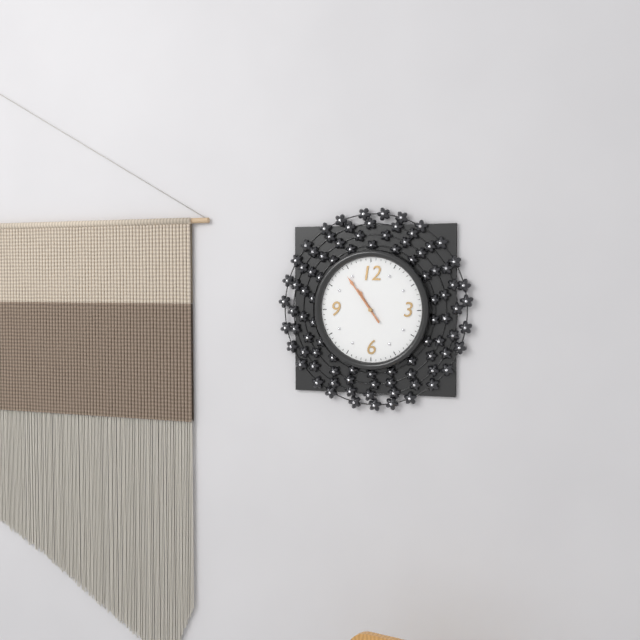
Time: h=10 m=54
